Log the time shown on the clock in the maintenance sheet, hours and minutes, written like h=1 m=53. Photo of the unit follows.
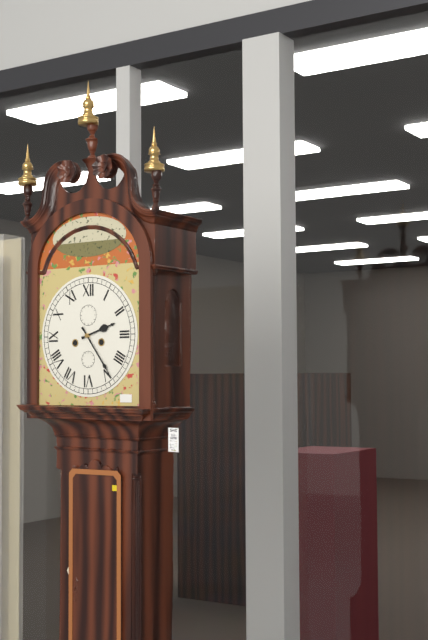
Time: h=2 m=24
